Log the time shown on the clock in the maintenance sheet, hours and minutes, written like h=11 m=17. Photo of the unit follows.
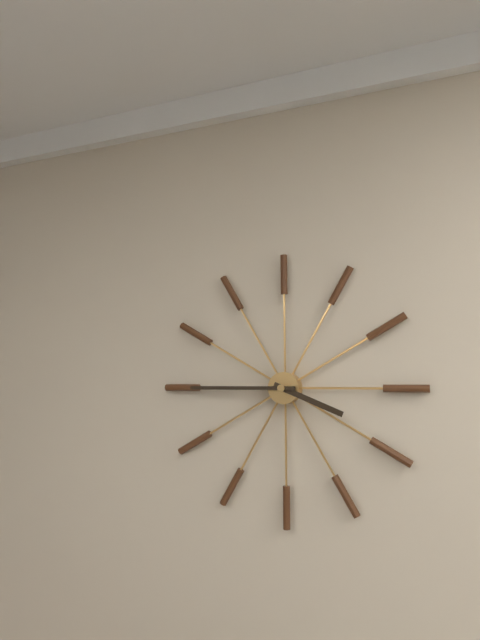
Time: h=3 m=45
